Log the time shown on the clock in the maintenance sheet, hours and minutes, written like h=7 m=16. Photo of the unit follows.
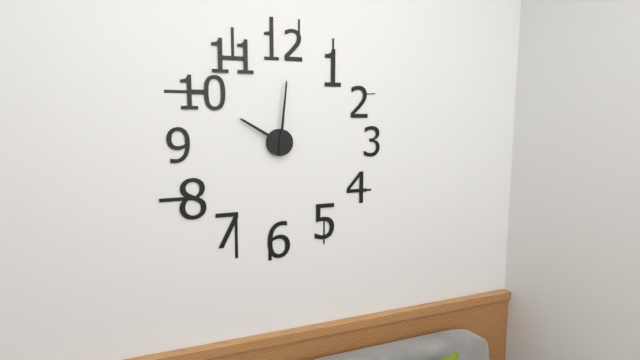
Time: h=10 m=1
